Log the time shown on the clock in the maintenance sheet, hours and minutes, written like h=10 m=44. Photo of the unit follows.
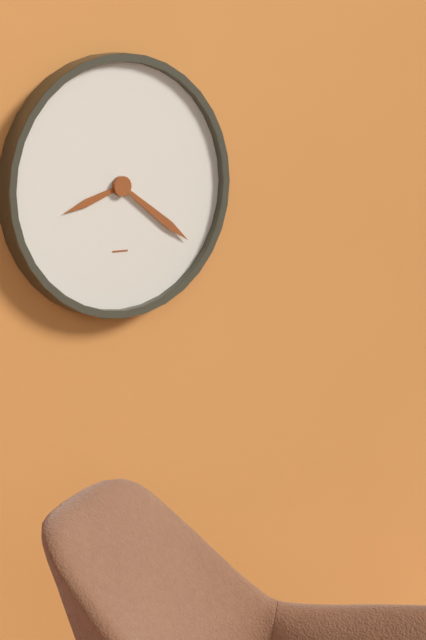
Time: h=8 m=21
